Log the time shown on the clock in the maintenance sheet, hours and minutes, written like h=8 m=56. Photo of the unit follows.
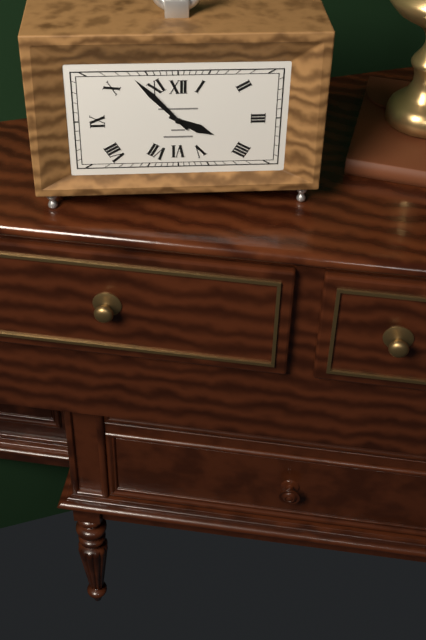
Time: h=3 m=53
